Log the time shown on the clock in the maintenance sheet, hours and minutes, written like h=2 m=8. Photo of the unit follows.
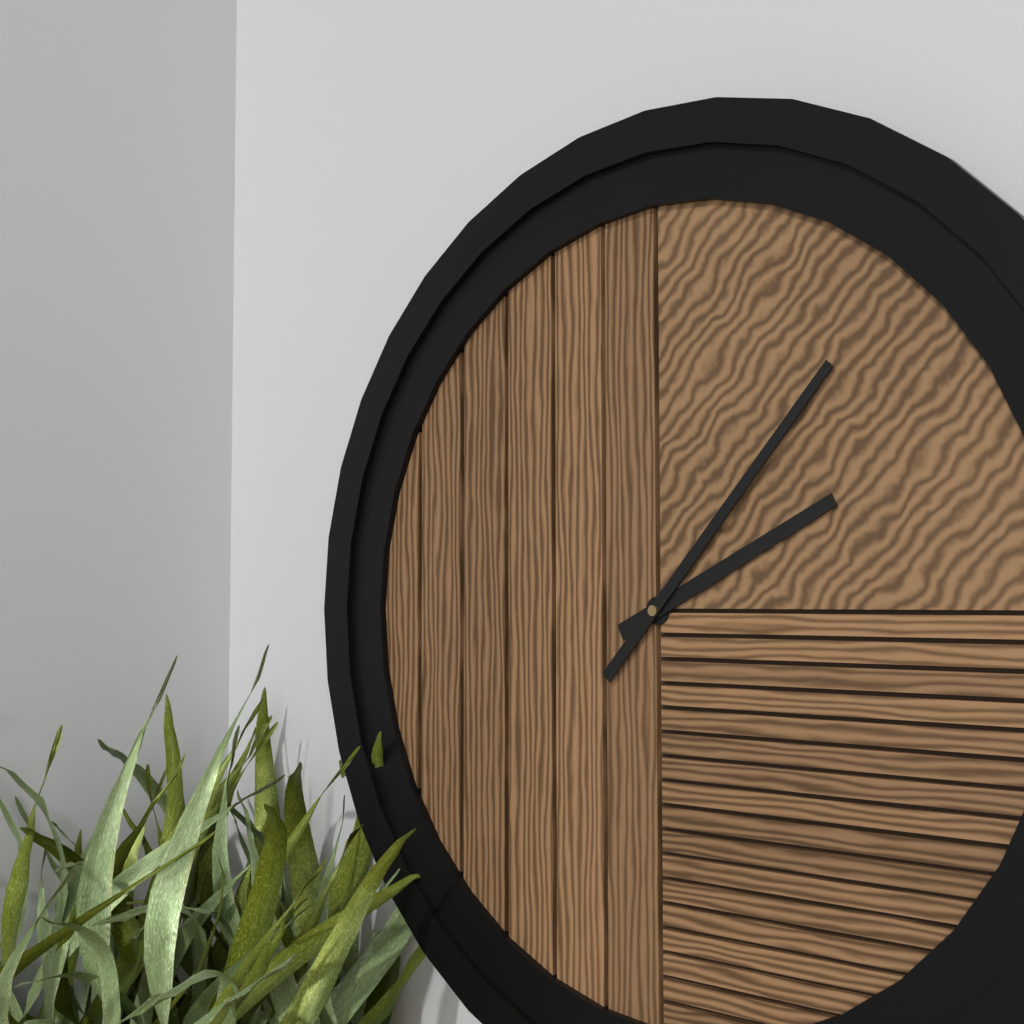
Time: h=2 m=7
